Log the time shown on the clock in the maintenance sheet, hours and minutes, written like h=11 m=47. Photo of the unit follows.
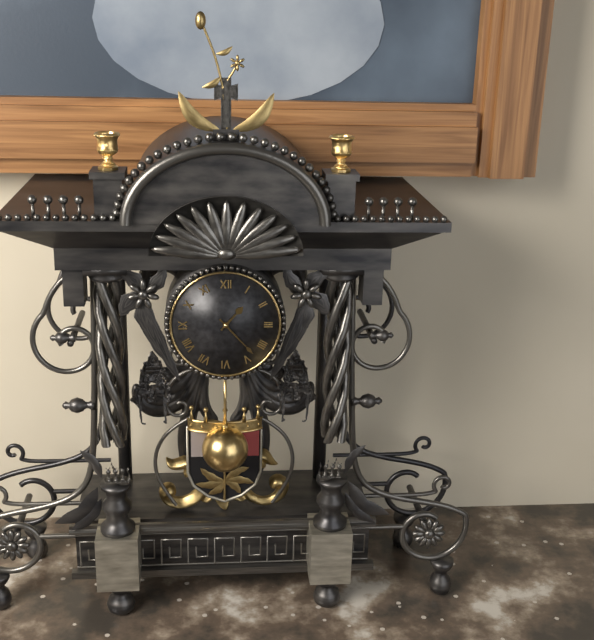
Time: h=1 m=23
